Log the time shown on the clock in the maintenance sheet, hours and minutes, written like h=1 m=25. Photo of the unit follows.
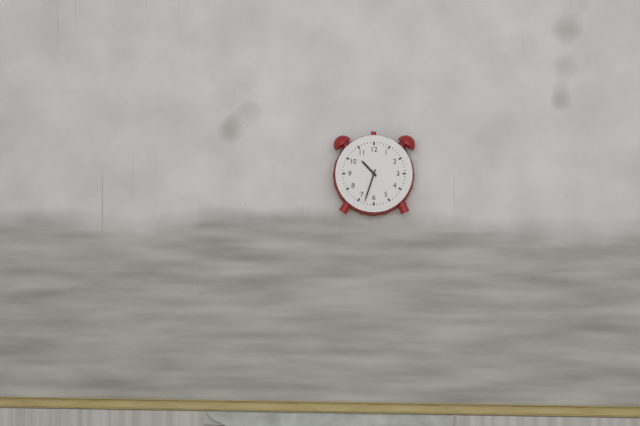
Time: h=10 m=33
